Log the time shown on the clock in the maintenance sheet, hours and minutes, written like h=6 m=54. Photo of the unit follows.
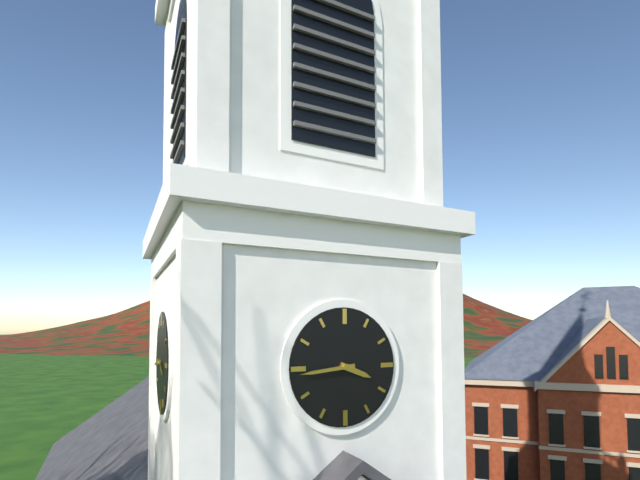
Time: h=3 m=44
